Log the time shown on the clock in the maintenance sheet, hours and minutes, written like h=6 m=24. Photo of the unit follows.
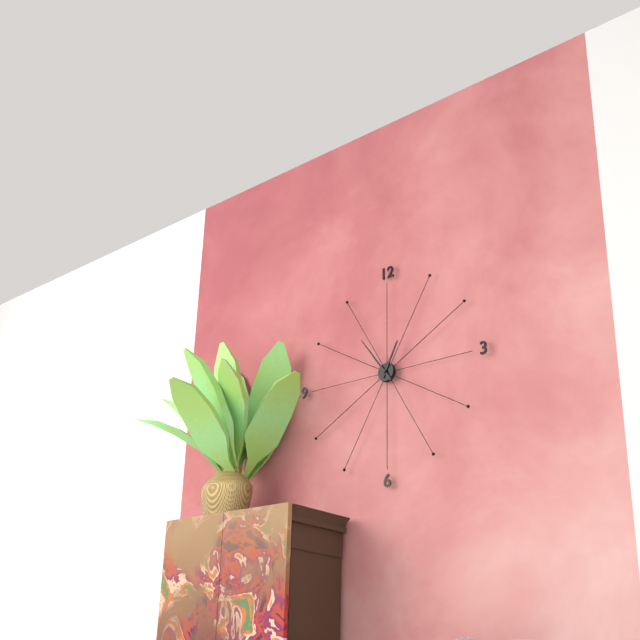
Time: h=12 m=54
